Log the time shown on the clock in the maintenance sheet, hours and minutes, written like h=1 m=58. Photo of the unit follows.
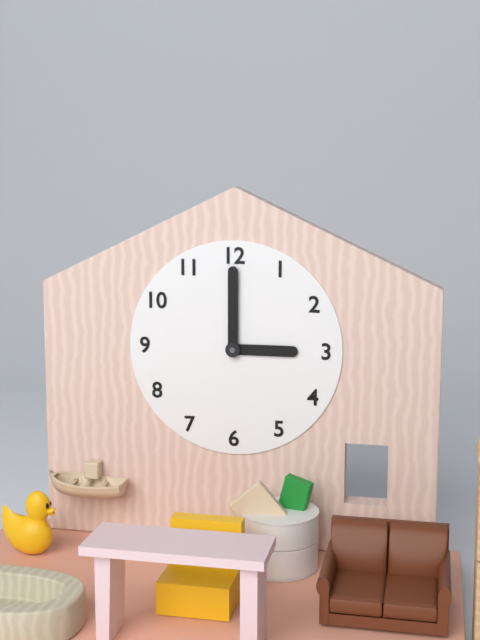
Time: h=3 m=0
